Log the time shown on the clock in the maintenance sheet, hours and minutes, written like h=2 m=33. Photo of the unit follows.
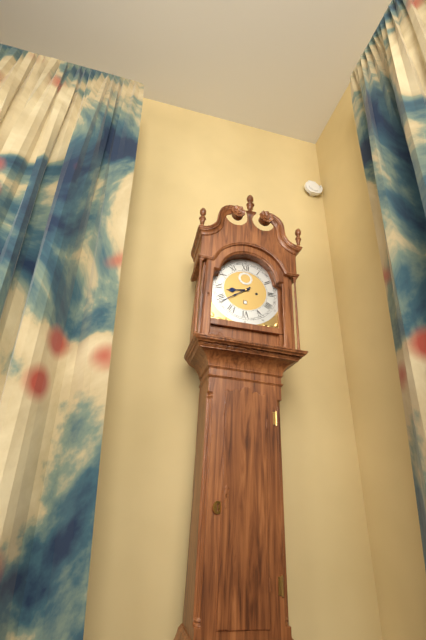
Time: h=8 m=39
